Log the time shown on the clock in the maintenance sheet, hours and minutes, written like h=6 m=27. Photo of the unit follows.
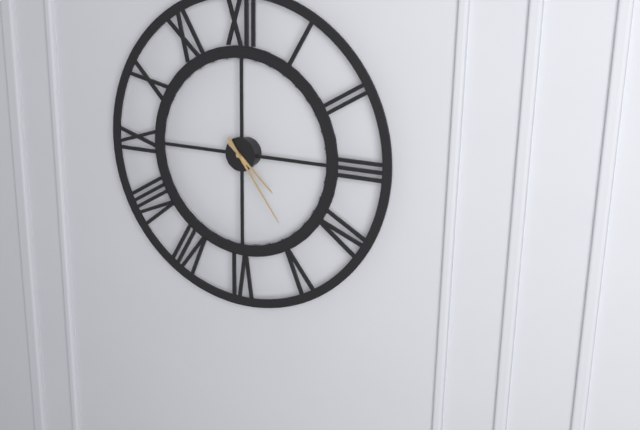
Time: h=4 m=24
